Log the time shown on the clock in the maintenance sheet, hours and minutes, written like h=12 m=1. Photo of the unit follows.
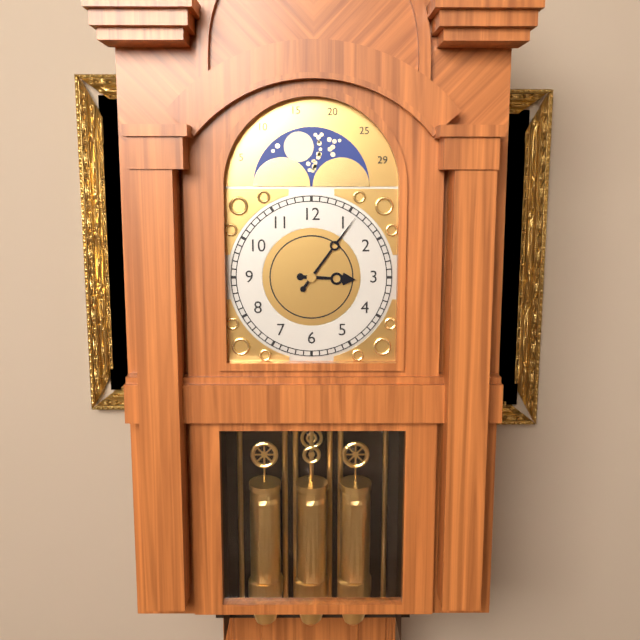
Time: h=3 m=6
